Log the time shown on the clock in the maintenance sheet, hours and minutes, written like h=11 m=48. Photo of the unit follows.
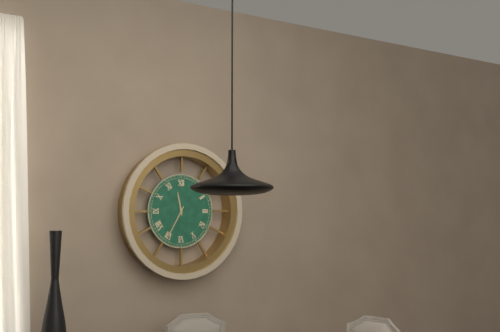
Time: h=11 m=35
